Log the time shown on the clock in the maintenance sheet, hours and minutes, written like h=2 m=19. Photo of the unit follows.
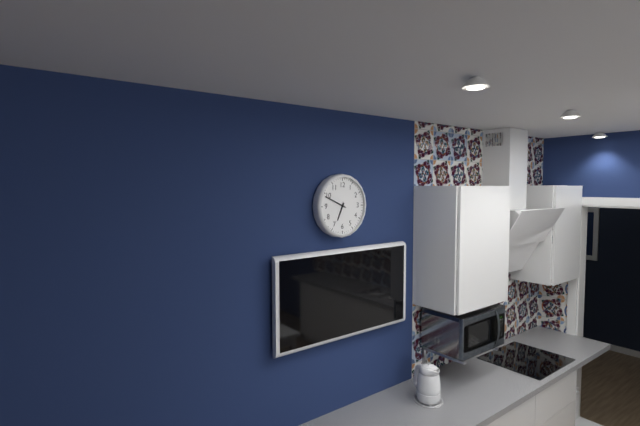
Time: h=6 m=49
